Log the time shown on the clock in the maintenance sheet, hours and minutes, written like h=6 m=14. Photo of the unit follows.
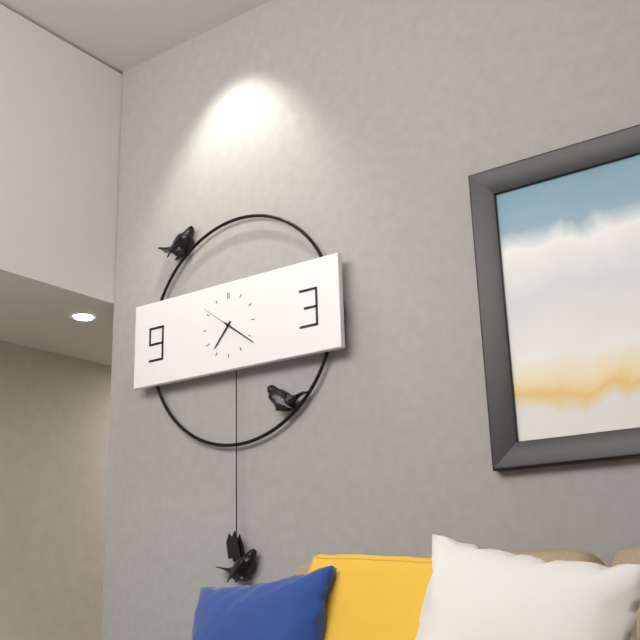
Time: h=7 m=21
